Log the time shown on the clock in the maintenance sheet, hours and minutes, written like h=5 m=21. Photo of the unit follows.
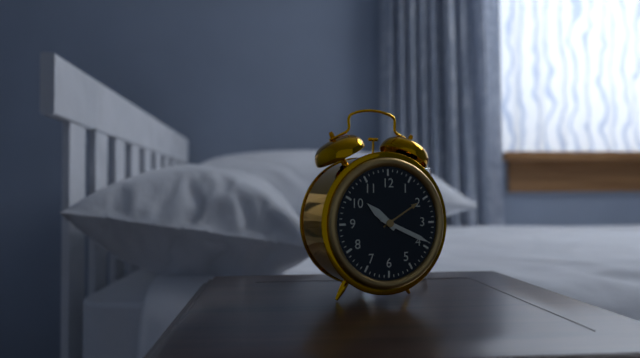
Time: h=10 m=19
